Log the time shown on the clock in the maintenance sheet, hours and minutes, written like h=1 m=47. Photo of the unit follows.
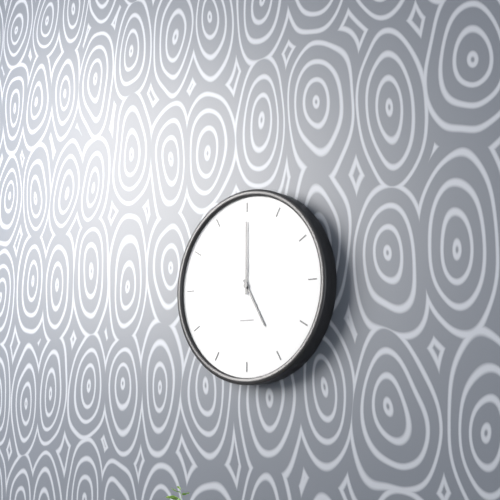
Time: h=5 m=0
